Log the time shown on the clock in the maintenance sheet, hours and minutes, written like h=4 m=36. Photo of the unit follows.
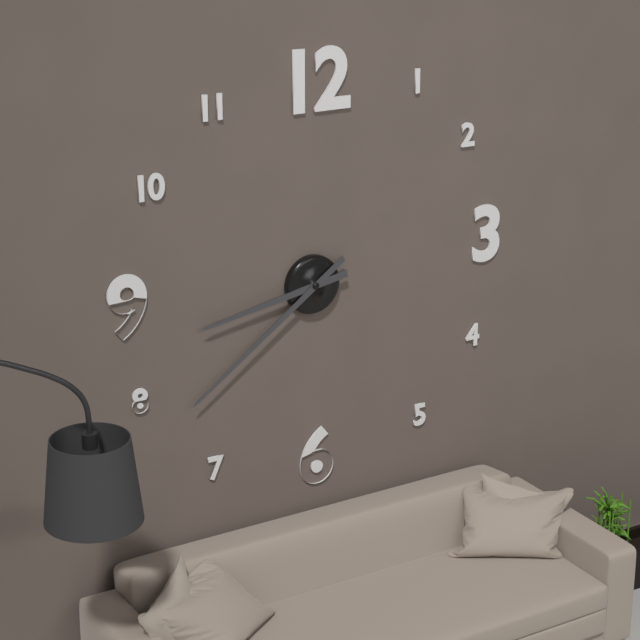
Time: h=8 m=39
